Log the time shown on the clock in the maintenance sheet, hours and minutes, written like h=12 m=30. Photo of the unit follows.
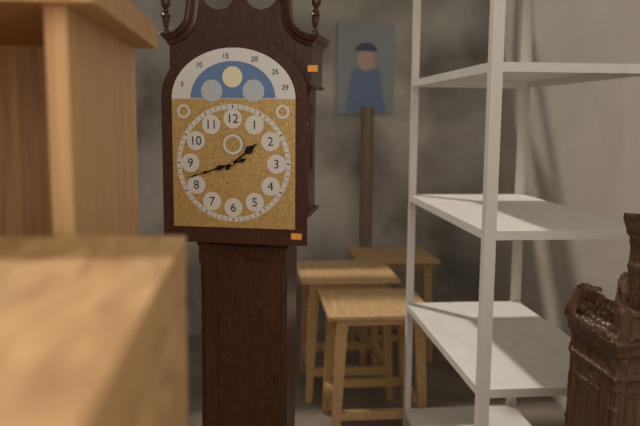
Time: h=1 m=42
